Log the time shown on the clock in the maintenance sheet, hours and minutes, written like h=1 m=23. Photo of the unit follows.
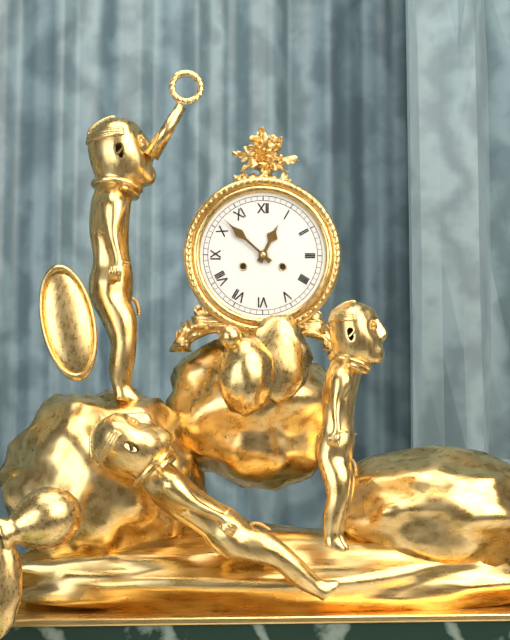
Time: h=12 m=52
